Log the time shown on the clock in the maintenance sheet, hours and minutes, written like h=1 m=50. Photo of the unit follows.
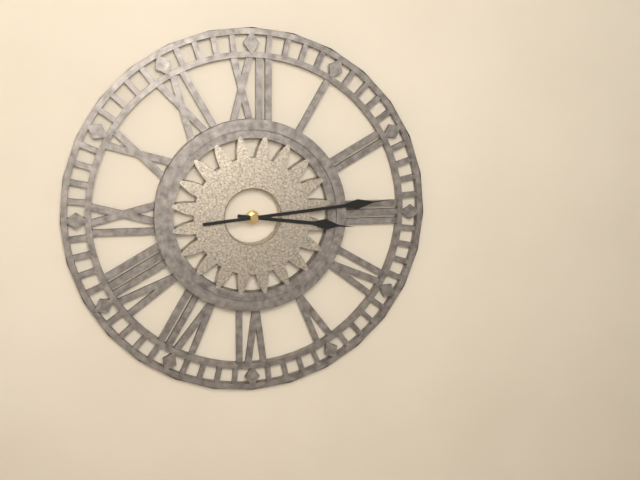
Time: h=3 m=14
